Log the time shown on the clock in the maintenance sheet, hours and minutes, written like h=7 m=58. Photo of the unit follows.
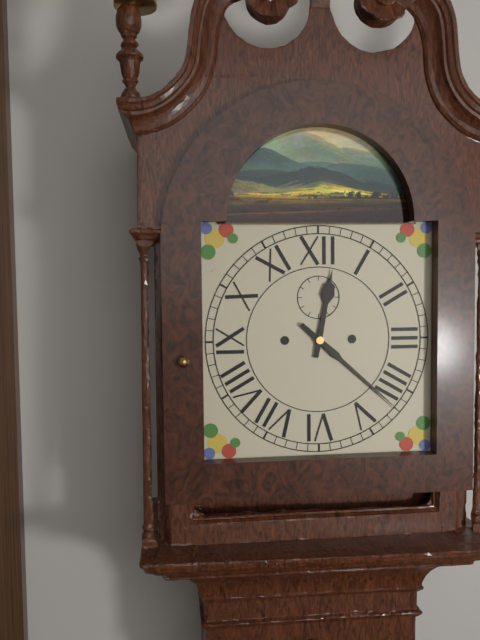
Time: h=12 m=22
